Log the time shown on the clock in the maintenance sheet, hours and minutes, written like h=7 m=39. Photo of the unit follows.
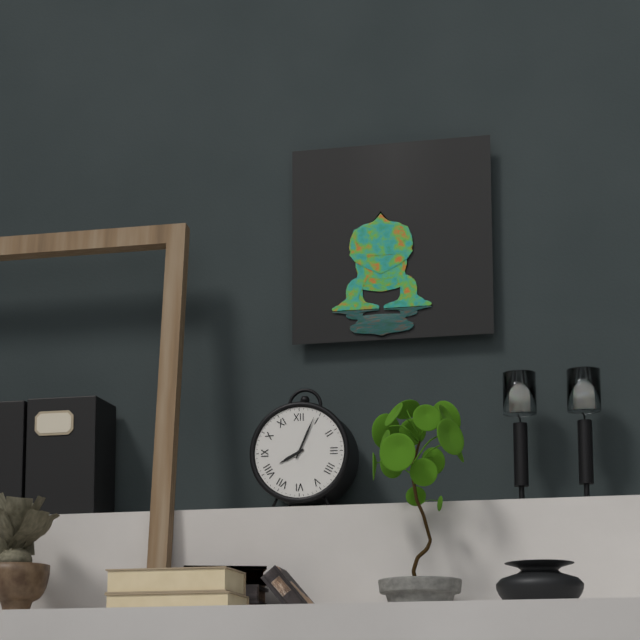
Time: h=8 m=4
